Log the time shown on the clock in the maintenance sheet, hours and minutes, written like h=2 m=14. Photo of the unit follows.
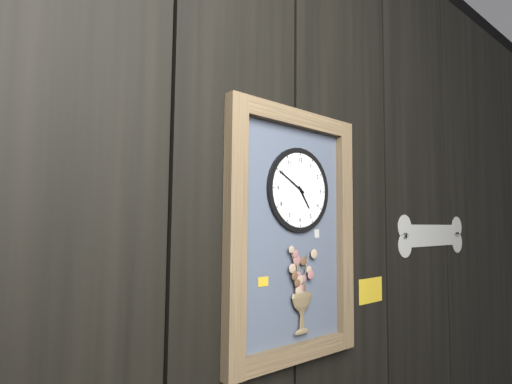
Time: h=4 m=50
